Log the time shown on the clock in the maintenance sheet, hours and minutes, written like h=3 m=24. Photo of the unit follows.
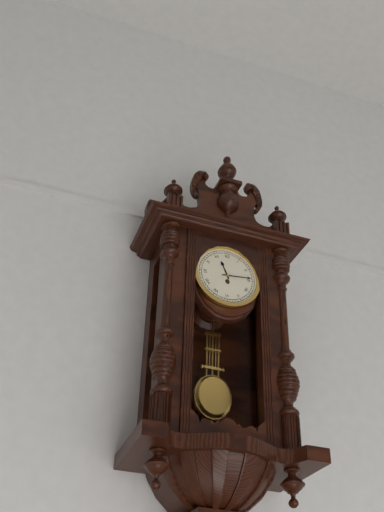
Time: h=11 m=14
